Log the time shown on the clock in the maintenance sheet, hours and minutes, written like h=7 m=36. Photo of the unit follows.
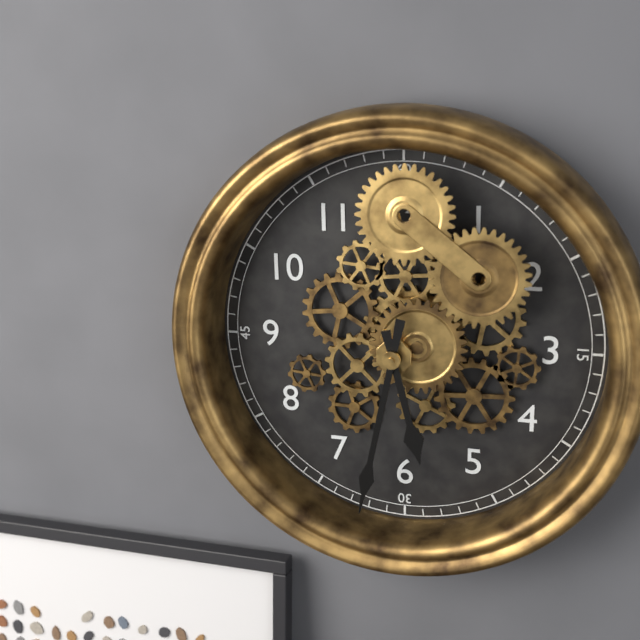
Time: h=5 m=32
